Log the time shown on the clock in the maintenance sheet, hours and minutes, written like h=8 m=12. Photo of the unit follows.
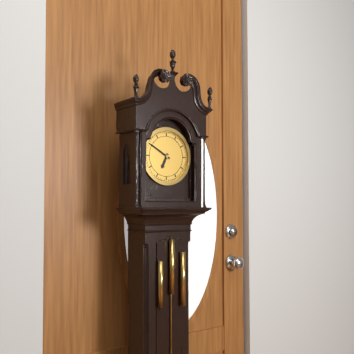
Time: h=6 m=50
